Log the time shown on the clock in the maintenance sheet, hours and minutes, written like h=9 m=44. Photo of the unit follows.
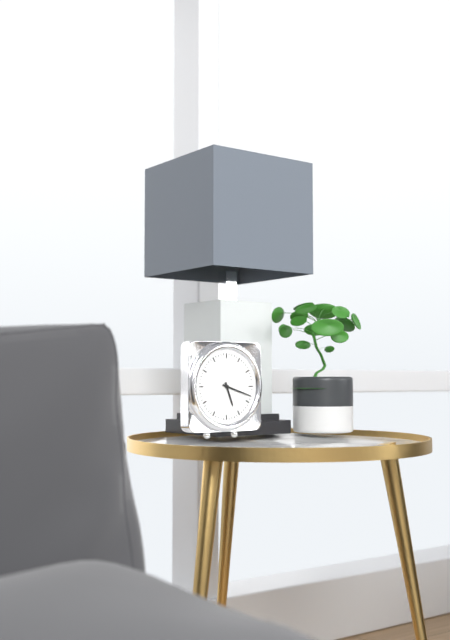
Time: h=5 m=18
